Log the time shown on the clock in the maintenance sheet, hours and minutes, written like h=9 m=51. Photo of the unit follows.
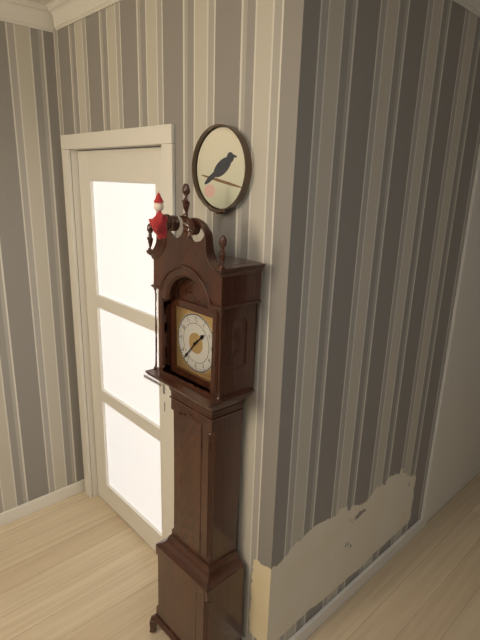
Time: h=1 m=37
